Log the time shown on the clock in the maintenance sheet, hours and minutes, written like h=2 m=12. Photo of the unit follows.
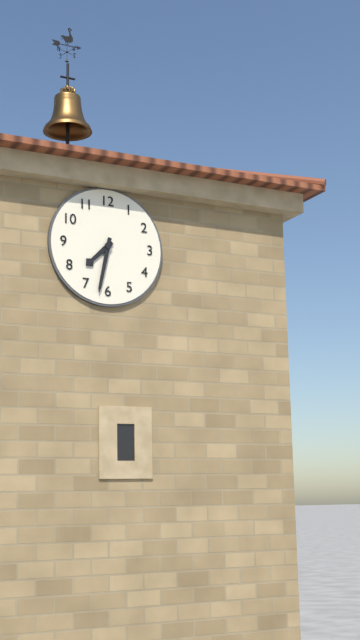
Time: h=7 m=32
